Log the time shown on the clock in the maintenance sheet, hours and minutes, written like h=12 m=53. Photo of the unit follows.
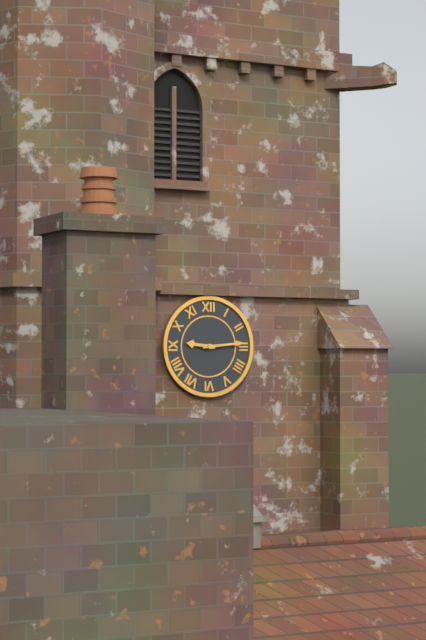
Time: h=9 m=14
